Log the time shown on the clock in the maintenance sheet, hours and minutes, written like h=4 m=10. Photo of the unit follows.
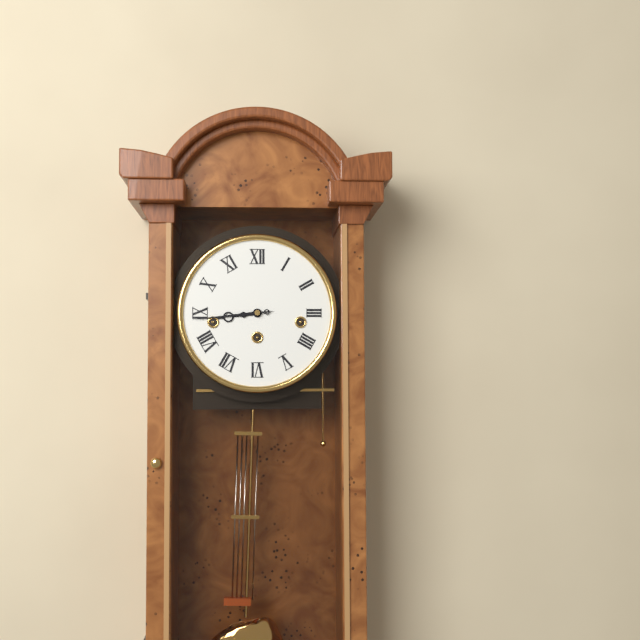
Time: h=8 m=44
